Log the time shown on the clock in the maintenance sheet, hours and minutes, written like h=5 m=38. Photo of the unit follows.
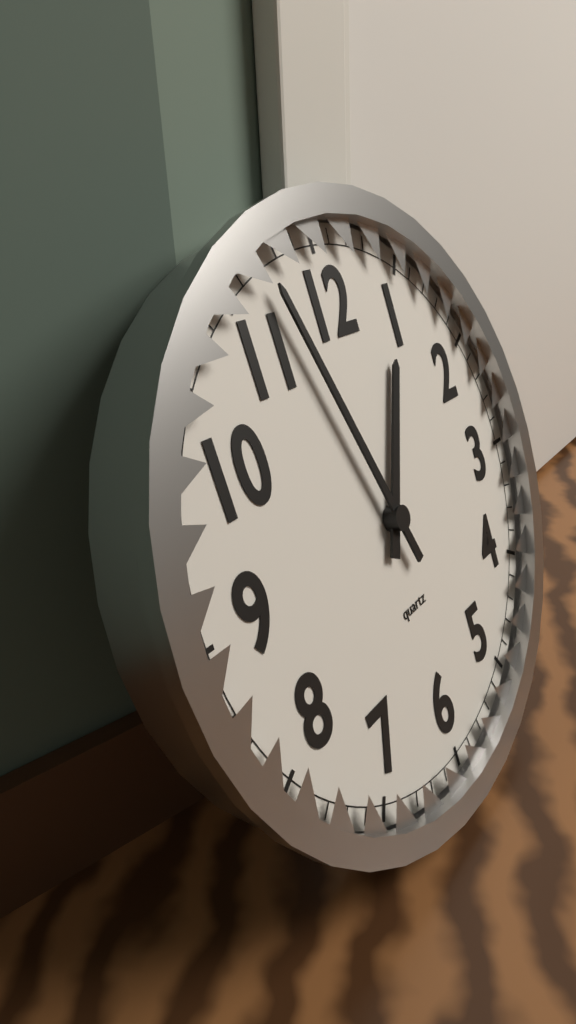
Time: h=12 m=57
